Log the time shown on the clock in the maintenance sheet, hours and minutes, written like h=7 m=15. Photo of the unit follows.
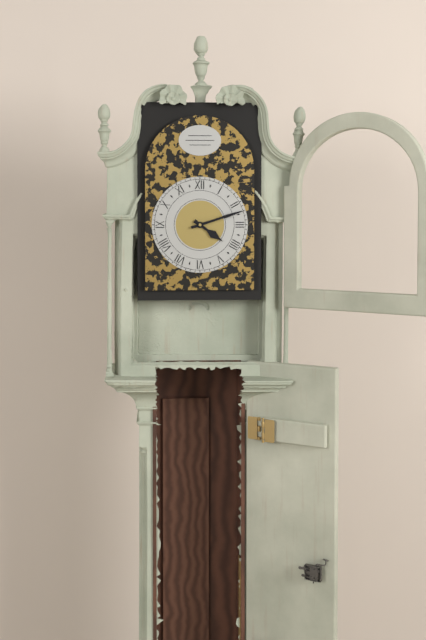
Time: h=4 m=12
